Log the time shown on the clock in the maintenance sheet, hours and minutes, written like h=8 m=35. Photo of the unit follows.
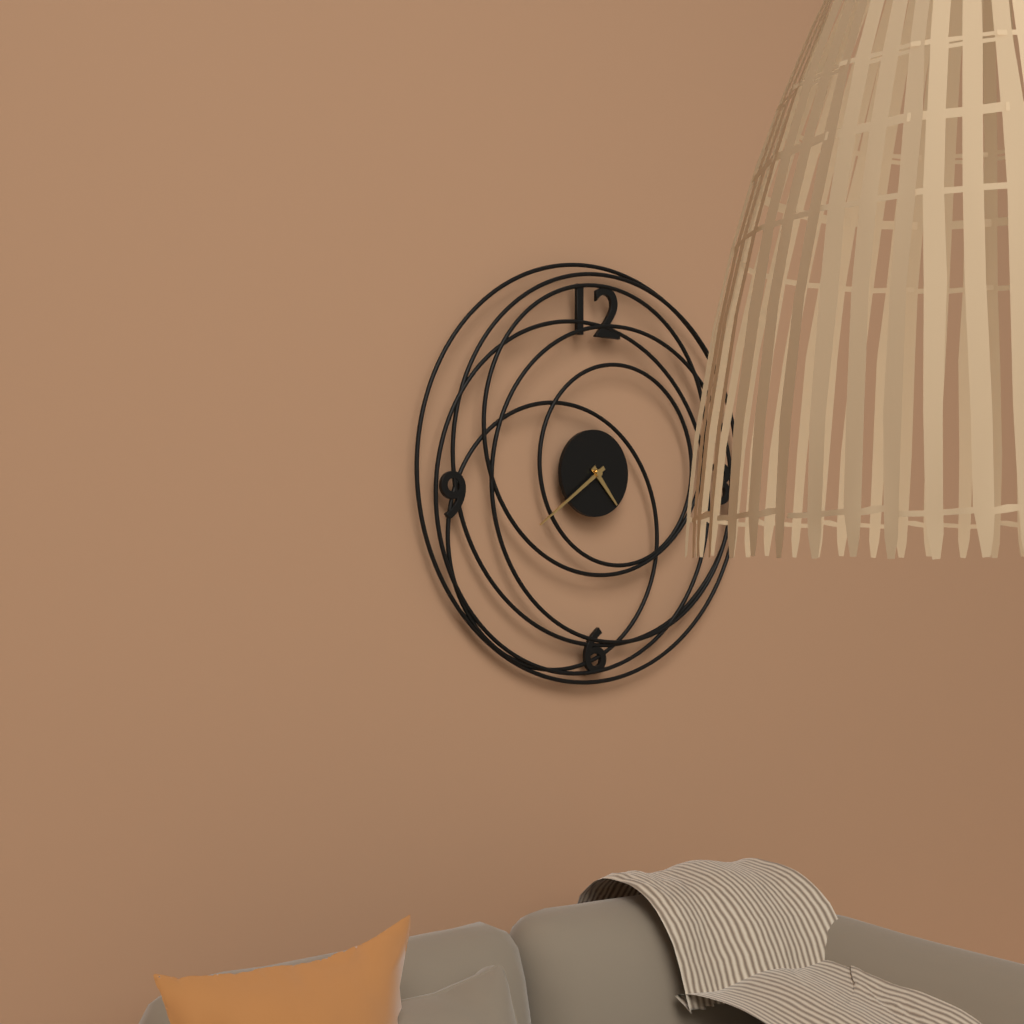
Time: h=4 m=39
